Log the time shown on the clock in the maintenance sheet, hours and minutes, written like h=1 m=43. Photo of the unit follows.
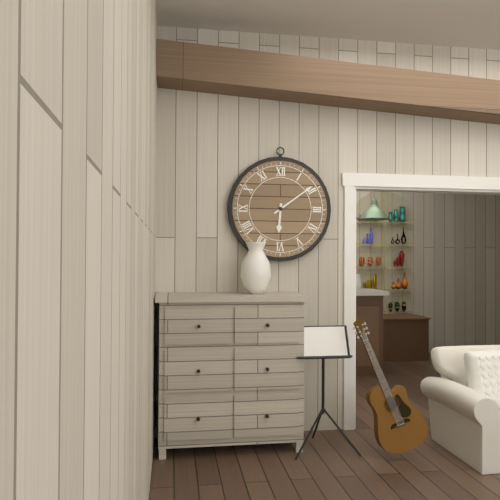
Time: h=6 m=9
